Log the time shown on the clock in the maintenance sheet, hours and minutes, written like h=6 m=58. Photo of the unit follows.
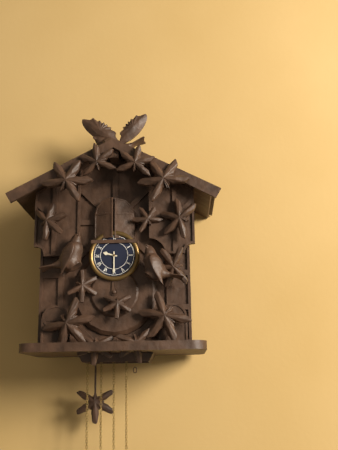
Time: h=9 m=30
